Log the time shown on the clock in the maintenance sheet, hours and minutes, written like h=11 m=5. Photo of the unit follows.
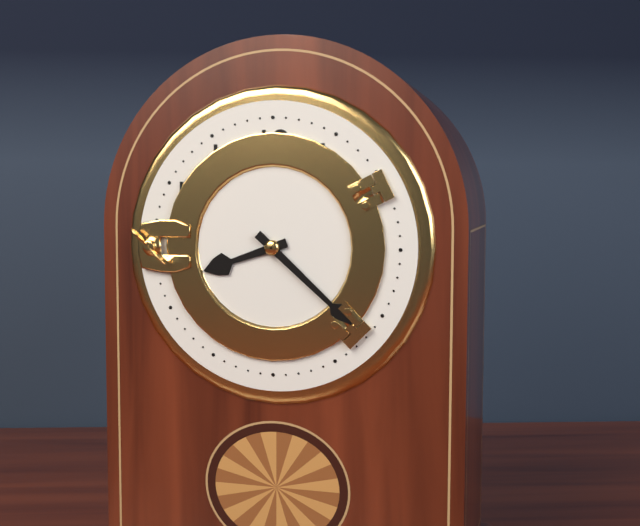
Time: h=8 m=22
